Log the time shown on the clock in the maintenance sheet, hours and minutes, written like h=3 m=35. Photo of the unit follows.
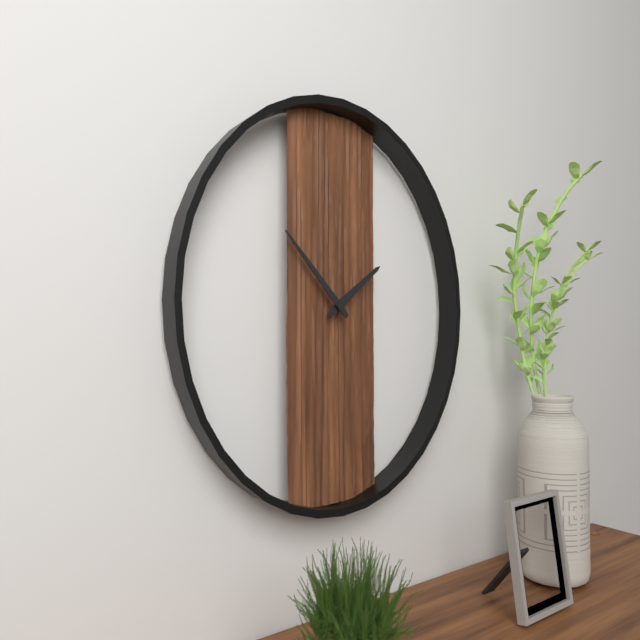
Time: h=1 m=52
